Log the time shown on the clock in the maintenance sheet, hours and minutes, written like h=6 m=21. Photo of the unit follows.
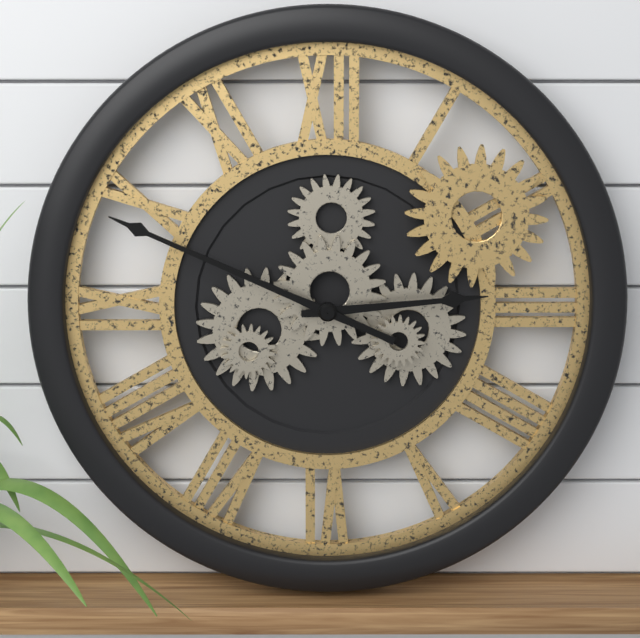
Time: h=2 m=49
